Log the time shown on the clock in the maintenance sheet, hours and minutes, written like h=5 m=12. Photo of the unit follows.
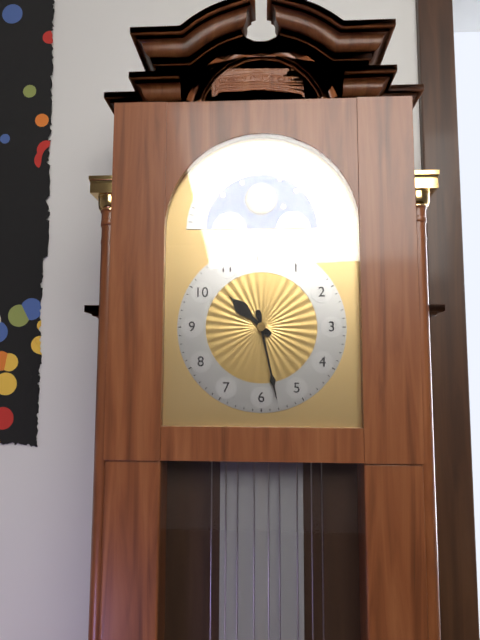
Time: h=10 m=28
